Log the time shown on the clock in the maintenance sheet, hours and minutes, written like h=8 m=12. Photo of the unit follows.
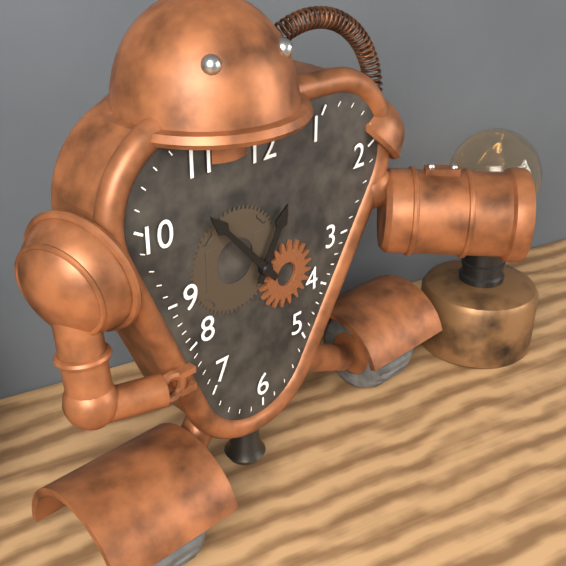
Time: h=12 m=53
